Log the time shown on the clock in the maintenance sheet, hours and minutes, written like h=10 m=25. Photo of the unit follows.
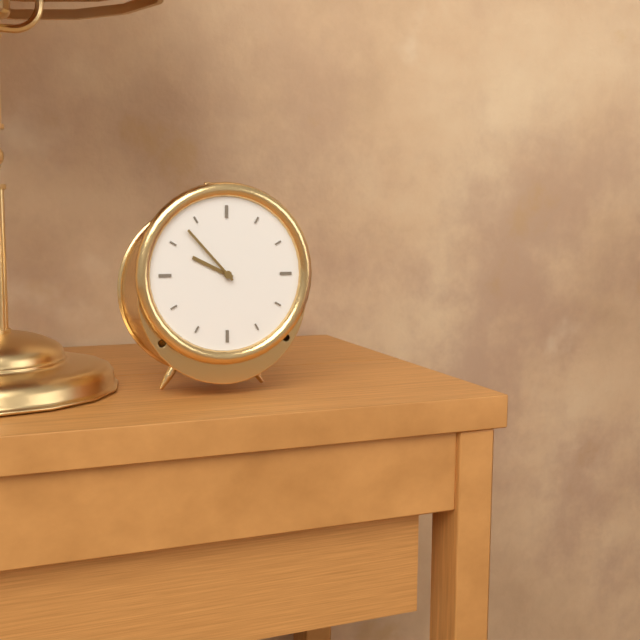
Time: h=9 m=53
